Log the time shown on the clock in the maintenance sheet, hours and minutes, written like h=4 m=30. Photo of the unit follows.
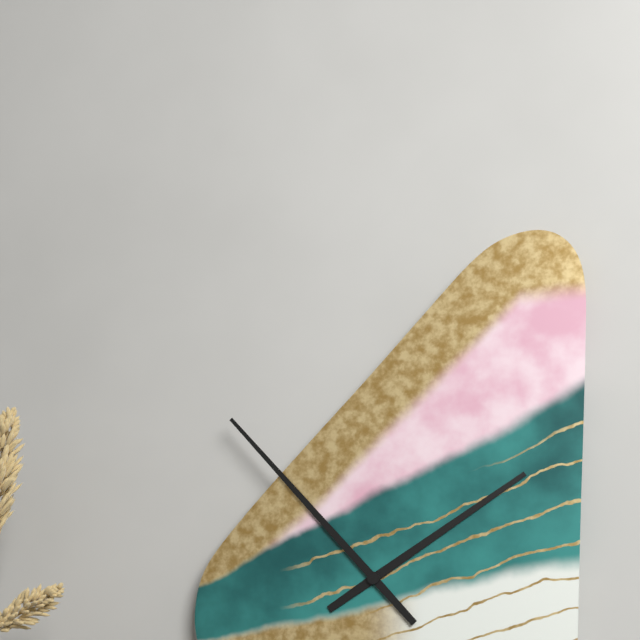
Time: h=1 m=53
